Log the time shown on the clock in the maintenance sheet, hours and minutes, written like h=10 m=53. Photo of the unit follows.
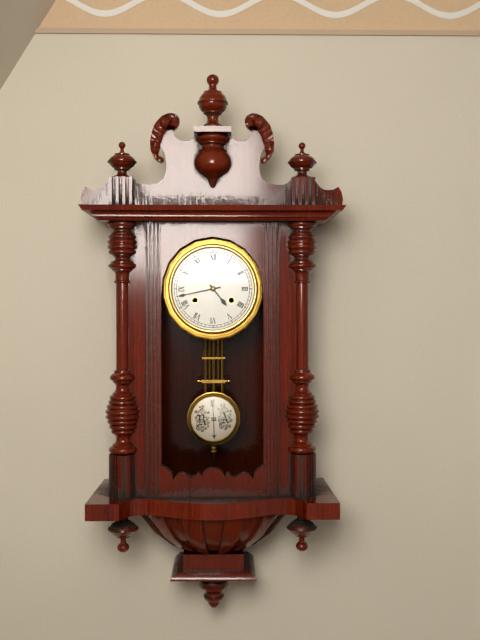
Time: h=4 m=43
